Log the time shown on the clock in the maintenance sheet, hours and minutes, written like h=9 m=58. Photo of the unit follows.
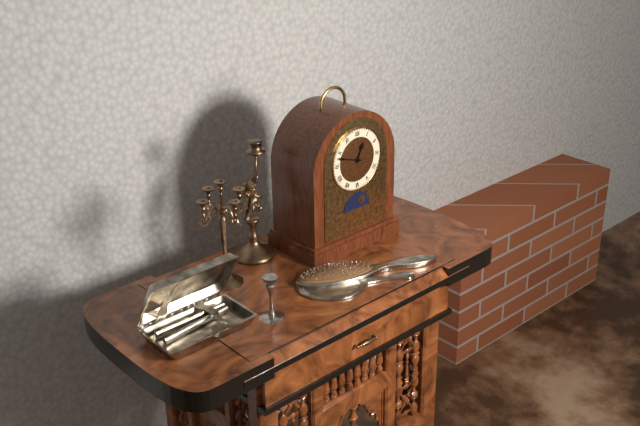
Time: h=12 m=48
